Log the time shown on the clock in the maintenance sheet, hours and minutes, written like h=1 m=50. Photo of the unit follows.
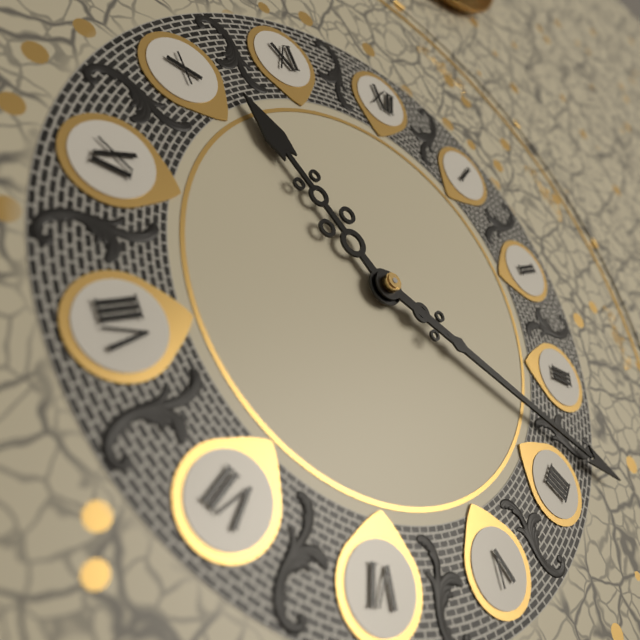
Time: h=10 m=18
